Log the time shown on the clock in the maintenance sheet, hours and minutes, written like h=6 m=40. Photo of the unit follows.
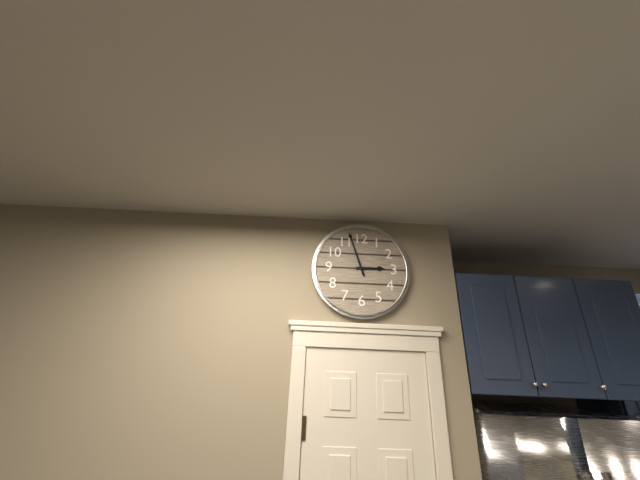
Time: h=2 m=57
